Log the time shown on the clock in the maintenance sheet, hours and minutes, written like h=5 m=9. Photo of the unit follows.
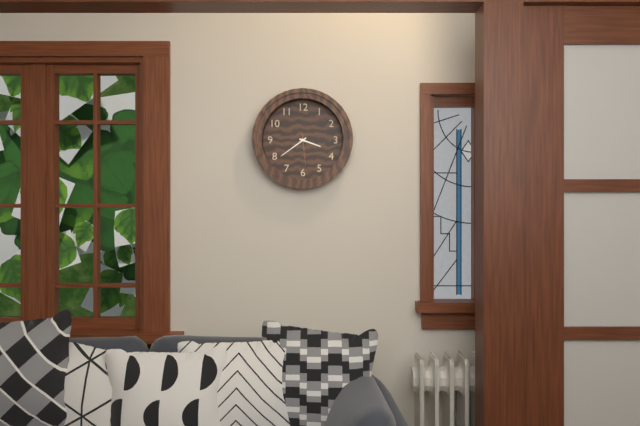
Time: h=3 m=39
